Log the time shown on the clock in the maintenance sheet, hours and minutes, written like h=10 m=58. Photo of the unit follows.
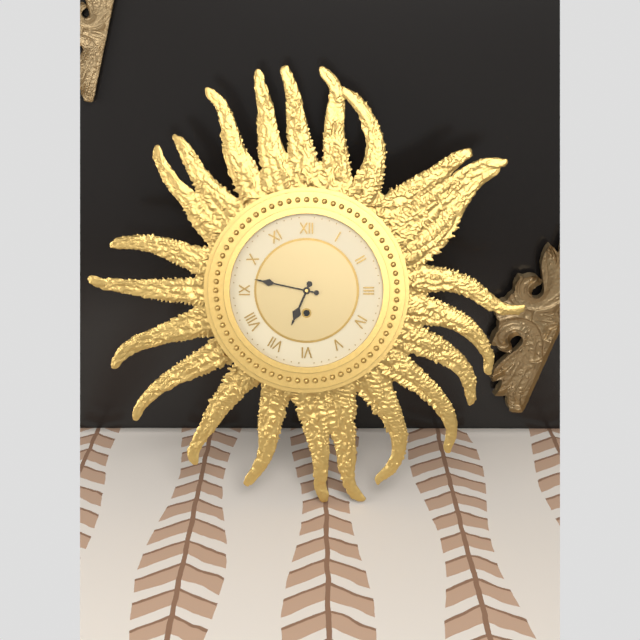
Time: h=6 m=47
